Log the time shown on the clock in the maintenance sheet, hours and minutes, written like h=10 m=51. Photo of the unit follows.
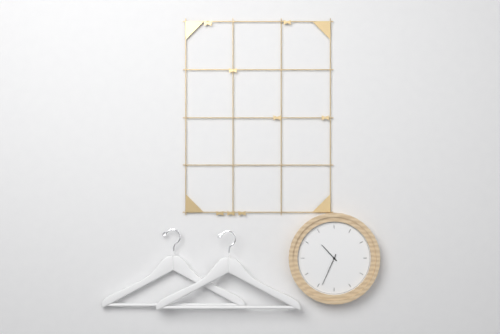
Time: h=10 m=34
